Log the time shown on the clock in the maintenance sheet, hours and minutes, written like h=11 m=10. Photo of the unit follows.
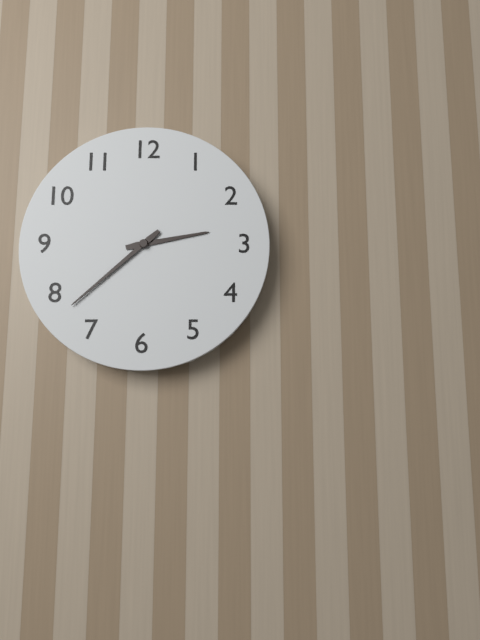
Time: h=2 m=38
